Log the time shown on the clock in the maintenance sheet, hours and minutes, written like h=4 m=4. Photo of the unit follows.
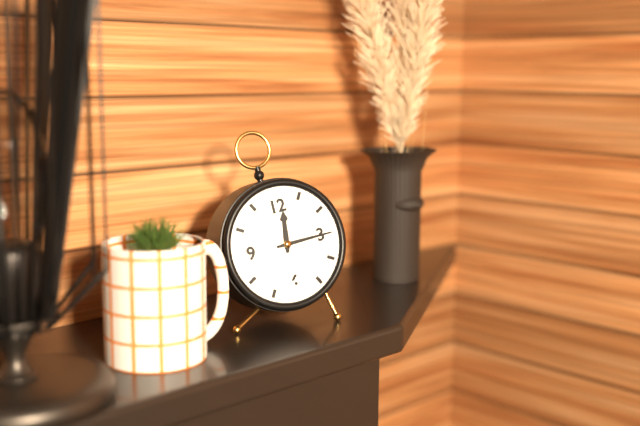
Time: h=12 m=15
